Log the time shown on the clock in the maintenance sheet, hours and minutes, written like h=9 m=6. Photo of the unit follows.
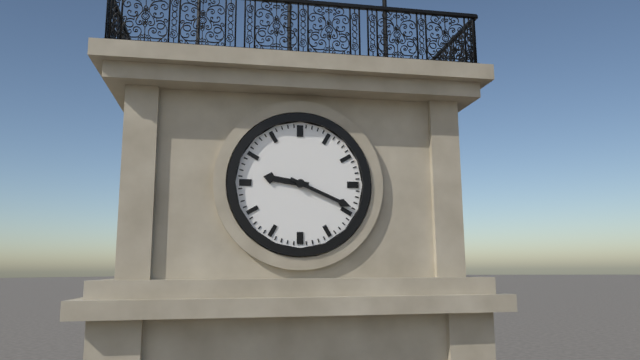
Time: h=9 m=19
